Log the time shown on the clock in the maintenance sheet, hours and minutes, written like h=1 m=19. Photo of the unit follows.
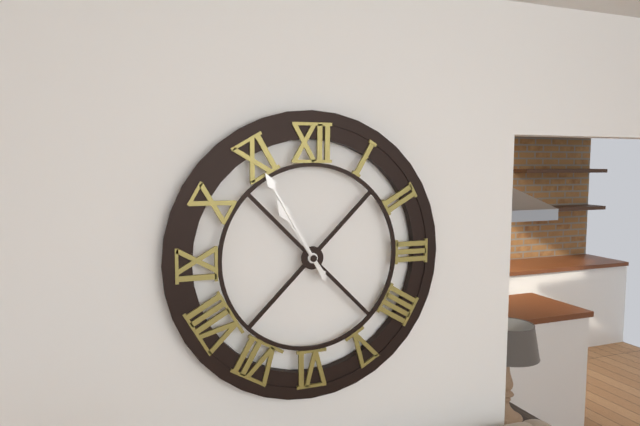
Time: h=10 m=55
